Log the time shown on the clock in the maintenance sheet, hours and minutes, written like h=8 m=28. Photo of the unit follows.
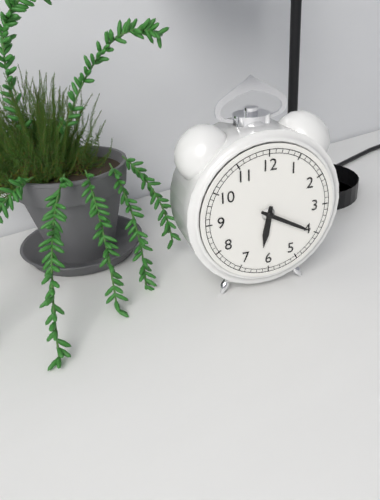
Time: h=6 m=20
